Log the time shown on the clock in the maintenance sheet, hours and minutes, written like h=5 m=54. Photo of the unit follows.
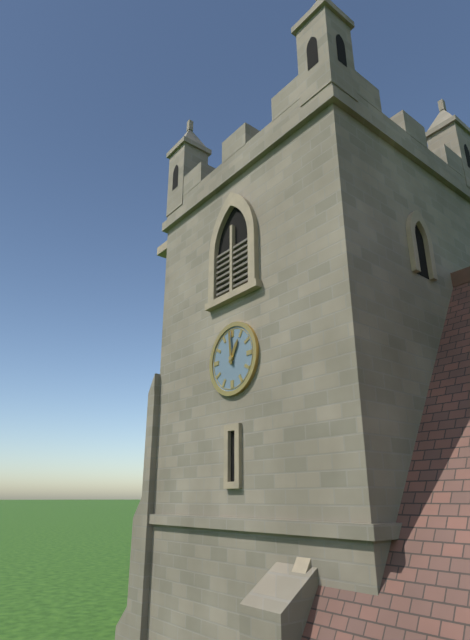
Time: h=12 m=59
